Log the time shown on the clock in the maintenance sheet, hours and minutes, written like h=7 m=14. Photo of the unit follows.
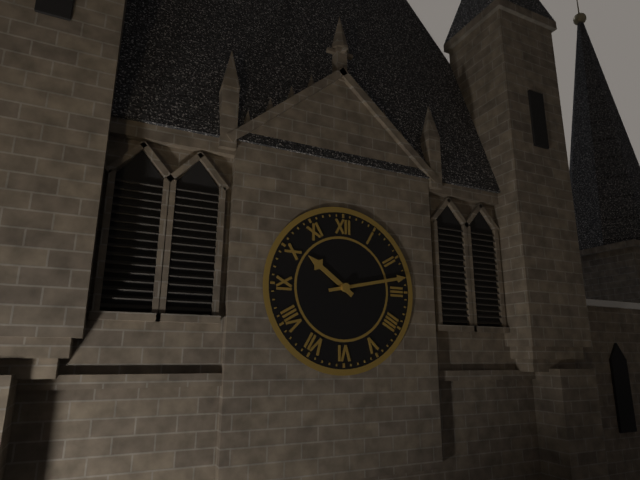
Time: h=10 m=13
